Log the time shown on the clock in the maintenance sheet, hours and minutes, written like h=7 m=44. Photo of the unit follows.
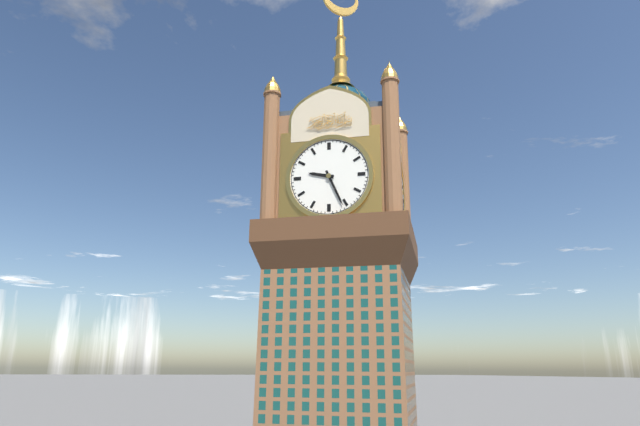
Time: h=9 m=26
